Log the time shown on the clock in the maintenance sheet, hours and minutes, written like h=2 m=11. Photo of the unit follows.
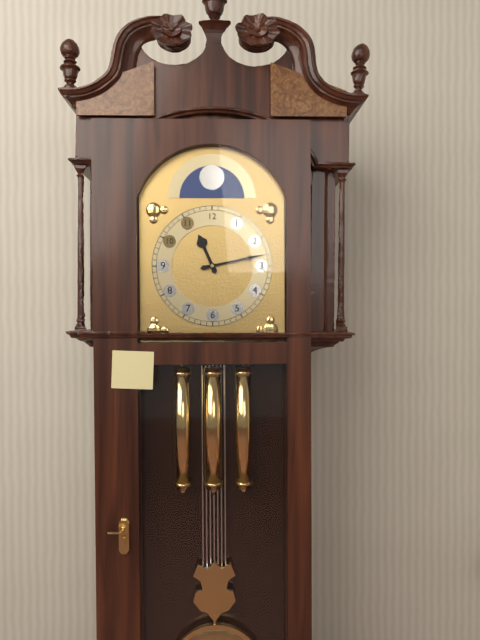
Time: h=11 m=13
